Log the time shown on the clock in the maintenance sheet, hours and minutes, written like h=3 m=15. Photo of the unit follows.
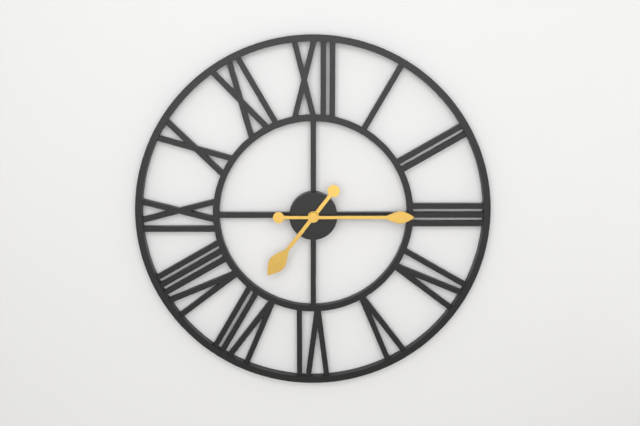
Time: h=7 m=15
